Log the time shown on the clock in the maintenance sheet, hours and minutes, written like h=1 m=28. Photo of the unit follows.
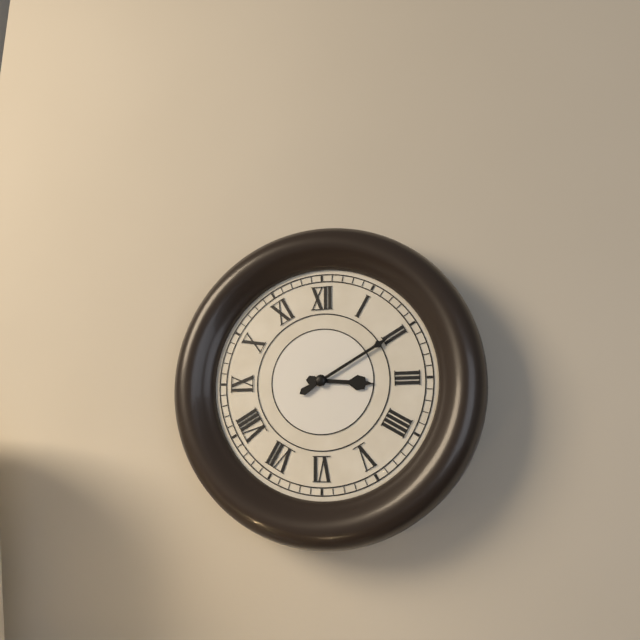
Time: h=3 m=10
